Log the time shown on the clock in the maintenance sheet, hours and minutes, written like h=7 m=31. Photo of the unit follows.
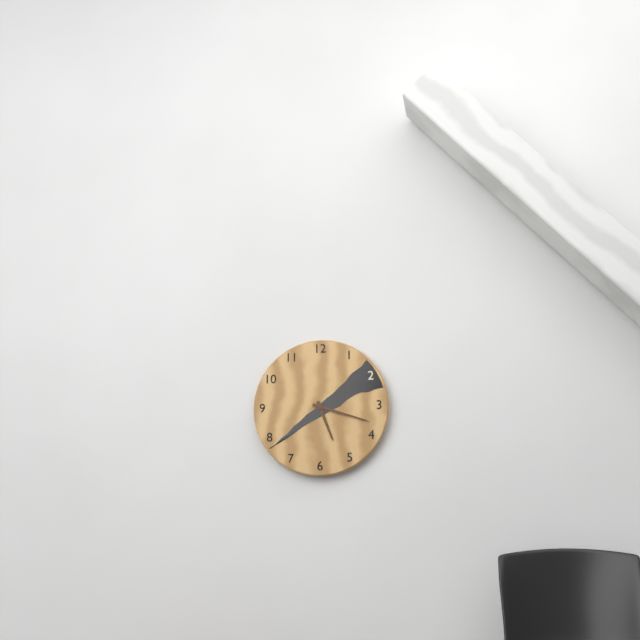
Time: h=5 m=18
